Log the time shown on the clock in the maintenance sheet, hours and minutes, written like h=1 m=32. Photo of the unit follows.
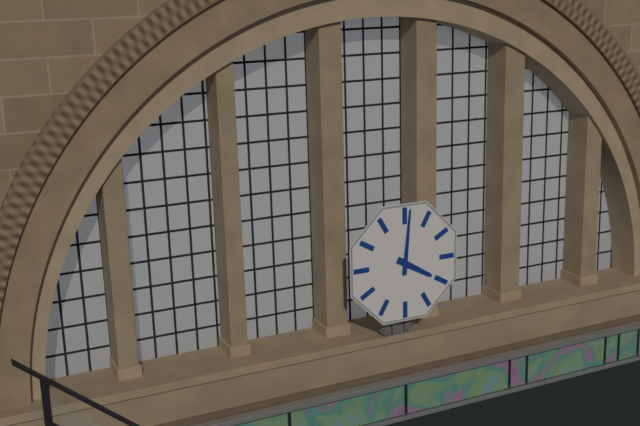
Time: h=4 m=1
